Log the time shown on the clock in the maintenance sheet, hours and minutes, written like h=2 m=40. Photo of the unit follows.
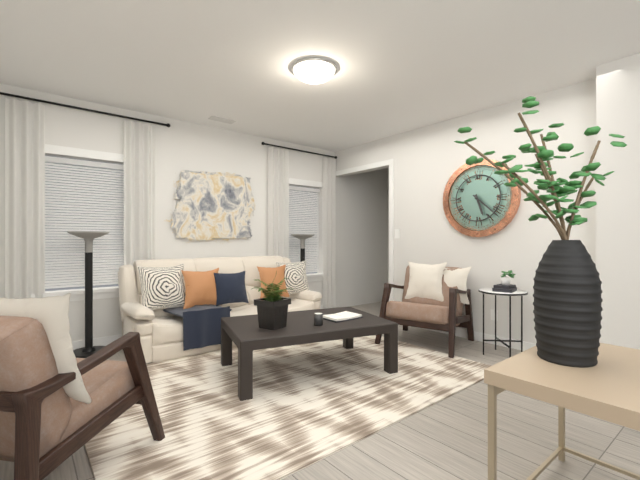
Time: h=5 m=22
